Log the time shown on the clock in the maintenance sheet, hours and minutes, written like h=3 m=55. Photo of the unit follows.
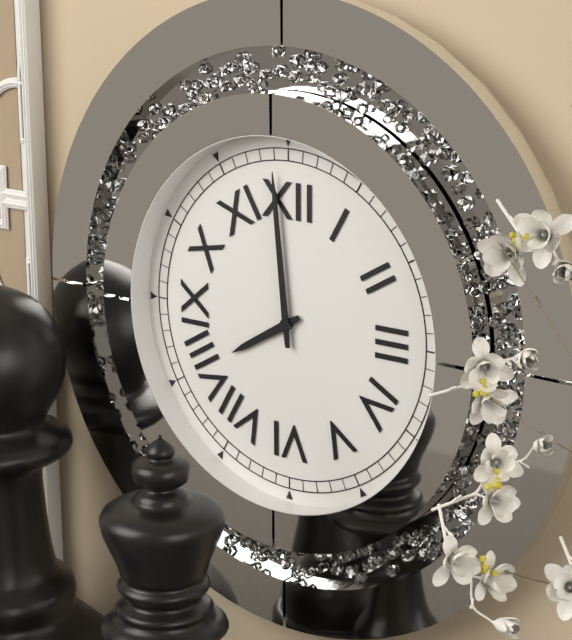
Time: h=7 m=59
